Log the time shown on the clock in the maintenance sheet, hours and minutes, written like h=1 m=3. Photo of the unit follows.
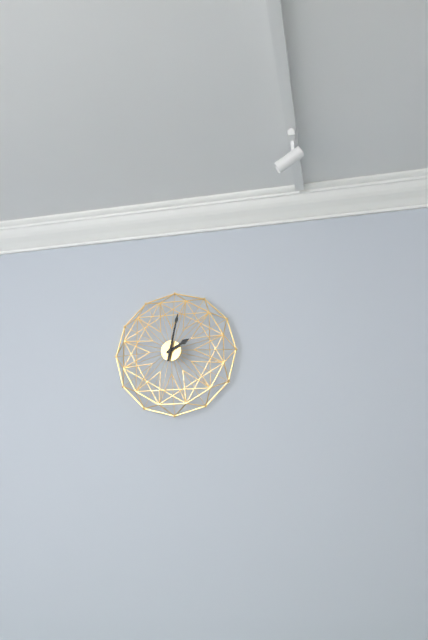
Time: h=2 m=2
